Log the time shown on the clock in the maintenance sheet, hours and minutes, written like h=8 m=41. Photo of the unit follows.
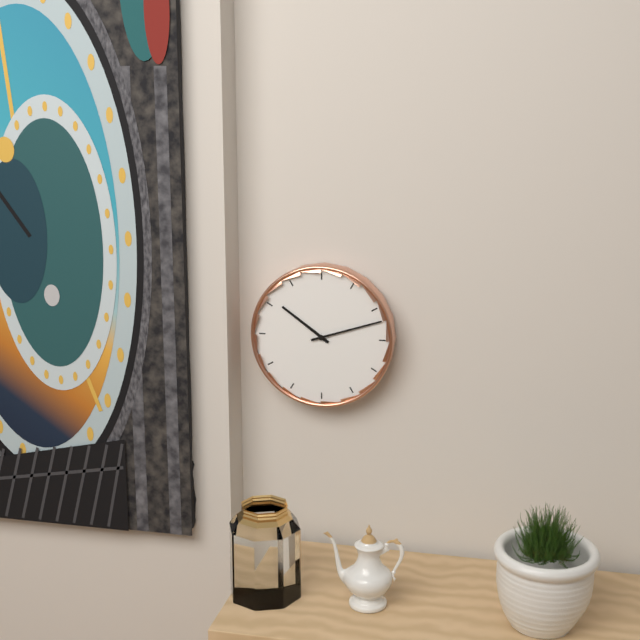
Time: h=10 m=12
